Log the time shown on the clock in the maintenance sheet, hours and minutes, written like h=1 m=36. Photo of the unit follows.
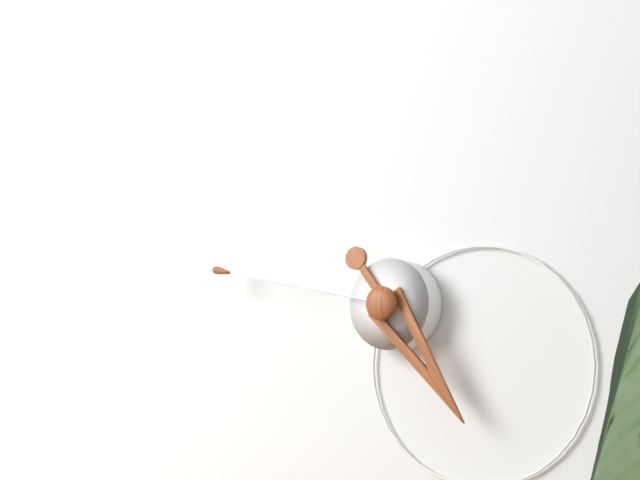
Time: h=4 m=47
